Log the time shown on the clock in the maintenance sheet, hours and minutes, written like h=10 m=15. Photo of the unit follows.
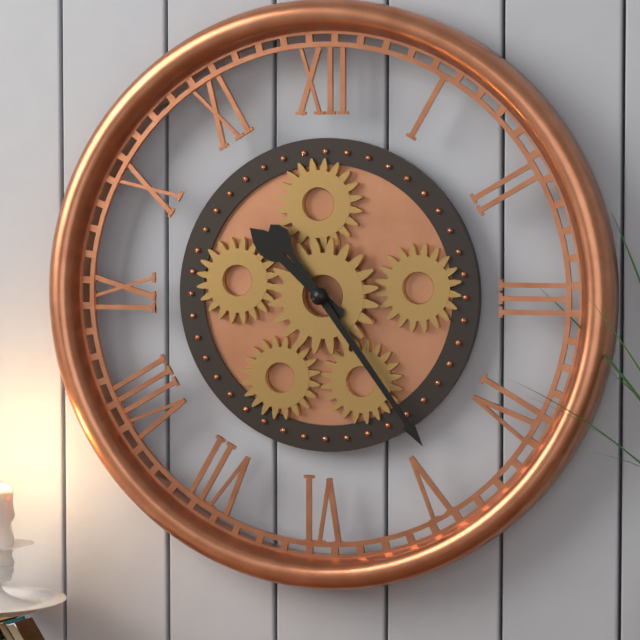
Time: h=10 m=24
